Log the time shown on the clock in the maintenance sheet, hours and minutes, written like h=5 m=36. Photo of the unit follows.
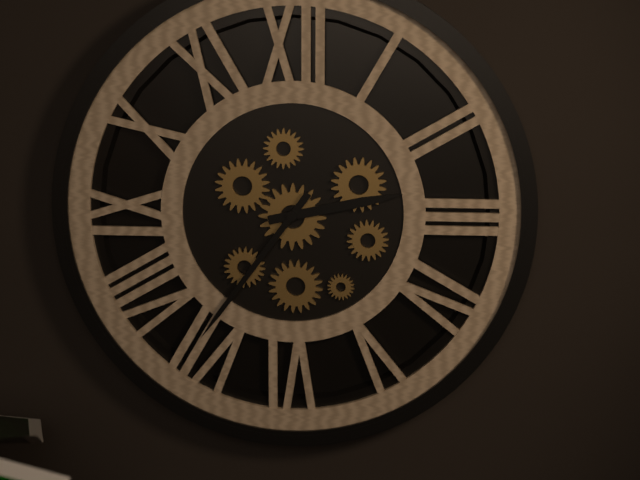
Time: h=2 m=36
